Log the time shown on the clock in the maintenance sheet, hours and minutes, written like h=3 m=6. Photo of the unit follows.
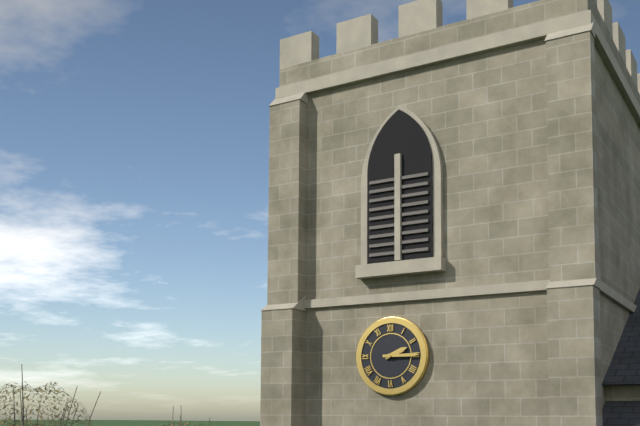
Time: h=2 m=15
